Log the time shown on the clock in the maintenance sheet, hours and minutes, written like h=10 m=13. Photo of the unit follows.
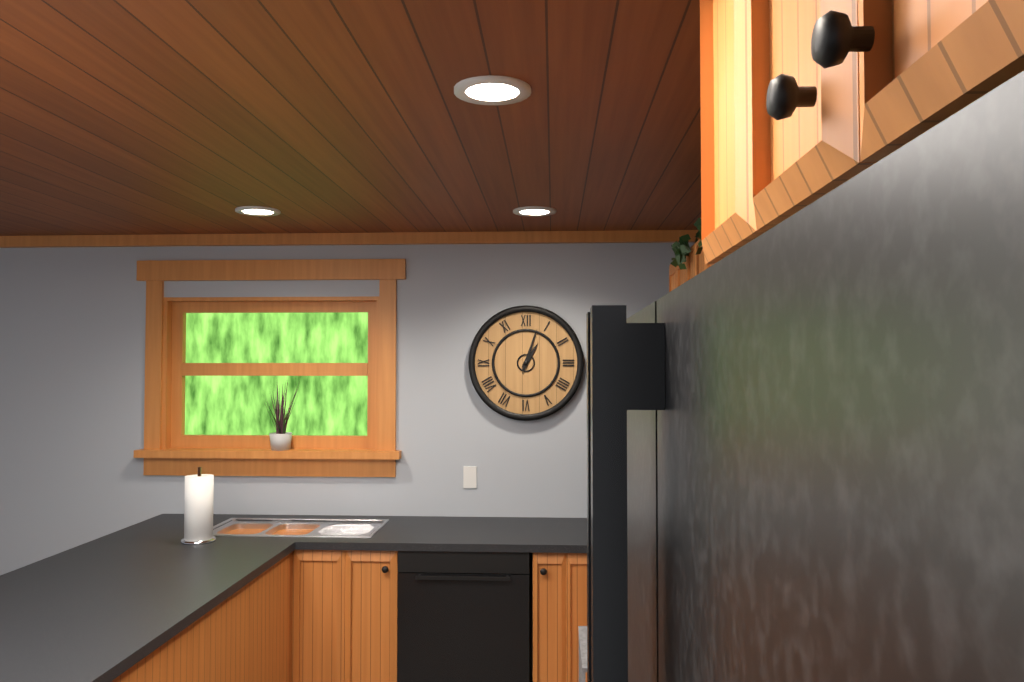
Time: h=1 m=3
